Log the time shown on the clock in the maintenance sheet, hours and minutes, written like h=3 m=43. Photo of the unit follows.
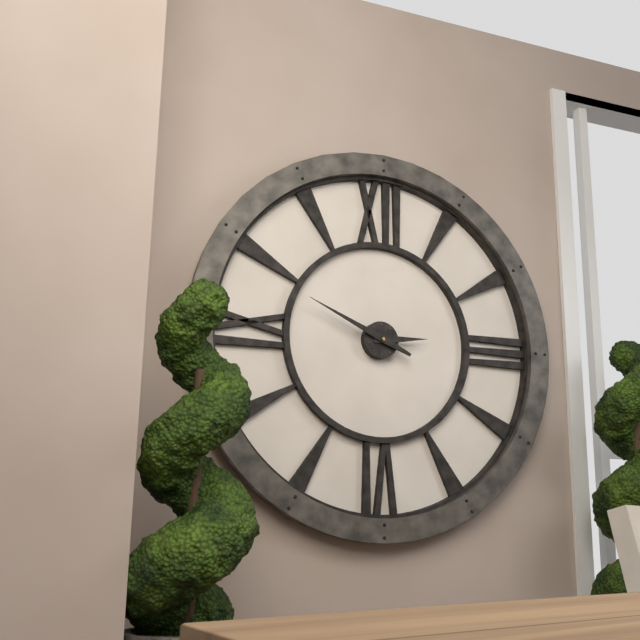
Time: h=2 m=49
